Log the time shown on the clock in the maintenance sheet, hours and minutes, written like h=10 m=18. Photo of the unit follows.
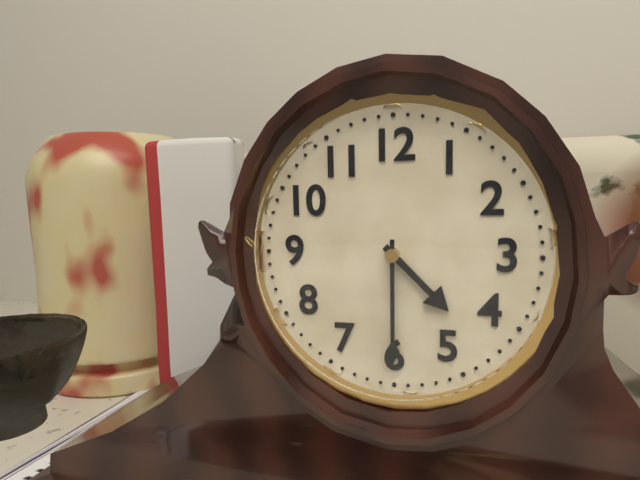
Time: h=4 m=30
